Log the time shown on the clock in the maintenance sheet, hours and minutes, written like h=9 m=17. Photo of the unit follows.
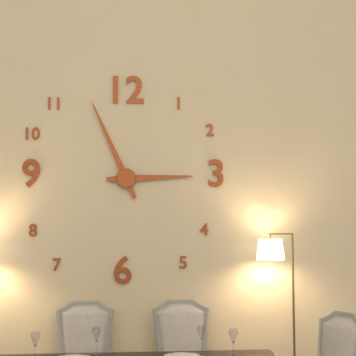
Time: h=2 m=56
